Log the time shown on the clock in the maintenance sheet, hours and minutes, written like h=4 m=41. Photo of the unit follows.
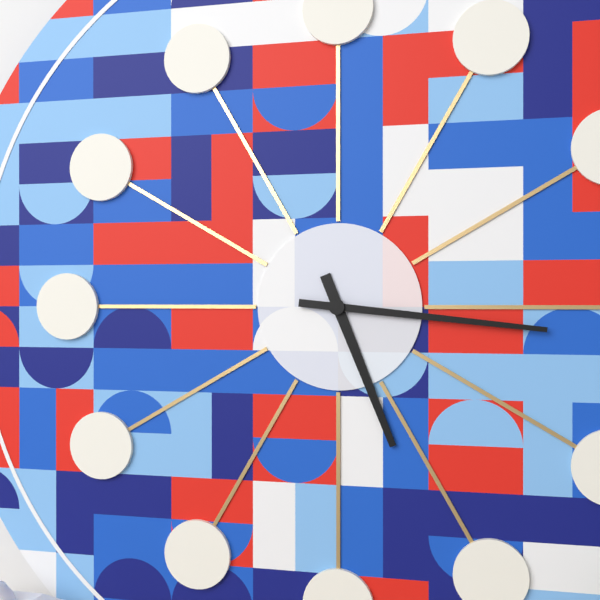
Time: h=5 m=16
